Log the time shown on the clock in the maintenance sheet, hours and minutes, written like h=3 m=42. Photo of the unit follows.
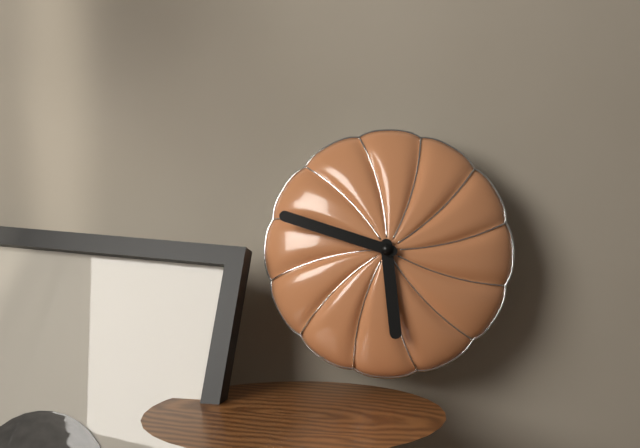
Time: h=5 m=48
